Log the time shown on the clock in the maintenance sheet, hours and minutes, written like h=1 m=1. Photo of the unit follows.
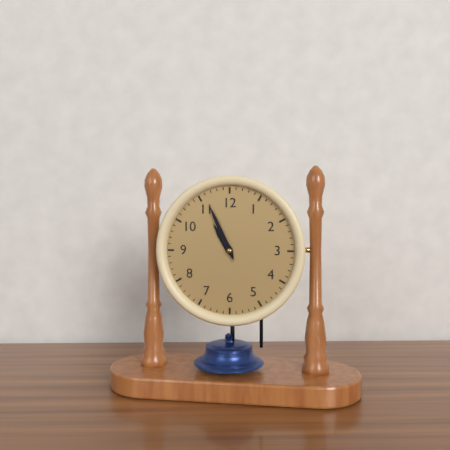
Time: h=10 m=56
